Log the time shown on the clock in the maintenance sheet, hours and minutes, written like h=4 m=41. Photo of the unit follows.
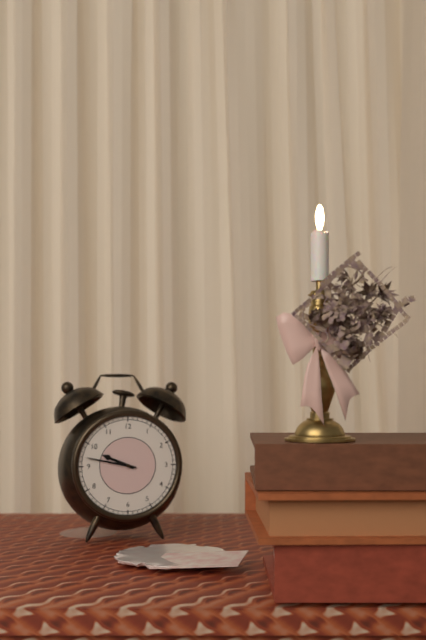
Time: h=9 m=47
